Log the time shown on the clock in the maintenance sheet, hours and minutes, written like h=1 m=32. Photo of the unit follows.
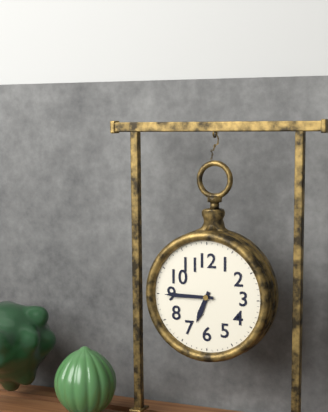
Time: h=6 m=45
